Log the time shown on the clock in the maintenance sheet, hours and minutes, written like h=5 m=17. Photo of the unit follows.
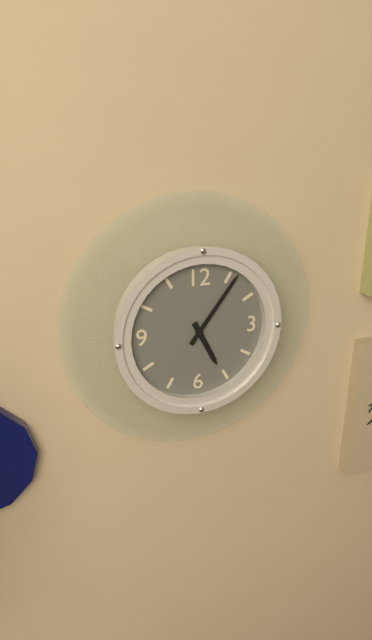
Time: h=5 m=6
